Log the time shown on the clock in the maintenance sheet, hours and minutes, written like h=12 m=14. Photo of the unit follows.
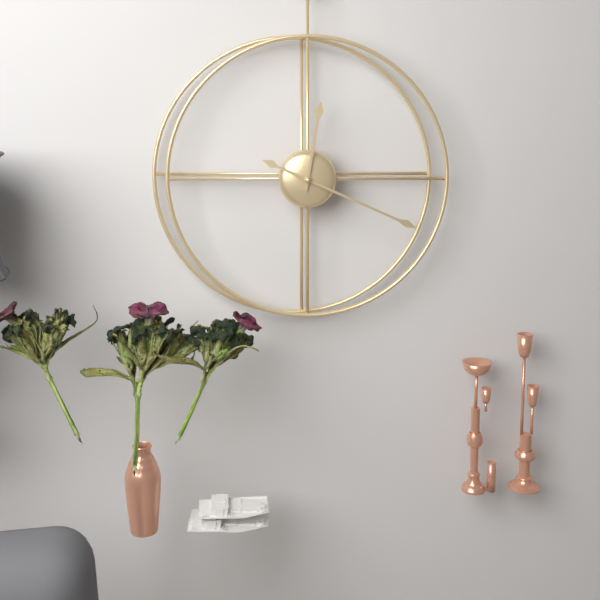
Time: h=12 m=19
